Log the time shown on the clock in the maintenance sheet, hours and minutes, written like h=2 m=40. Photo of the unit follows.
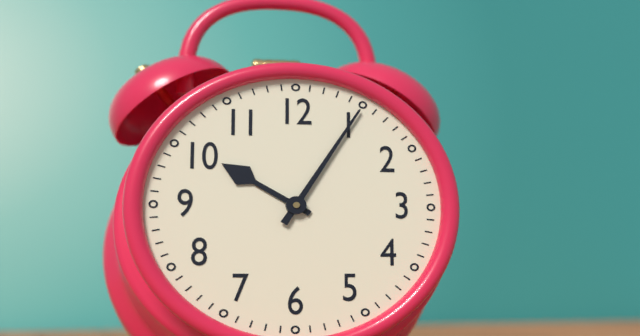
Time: h=10 m=5
